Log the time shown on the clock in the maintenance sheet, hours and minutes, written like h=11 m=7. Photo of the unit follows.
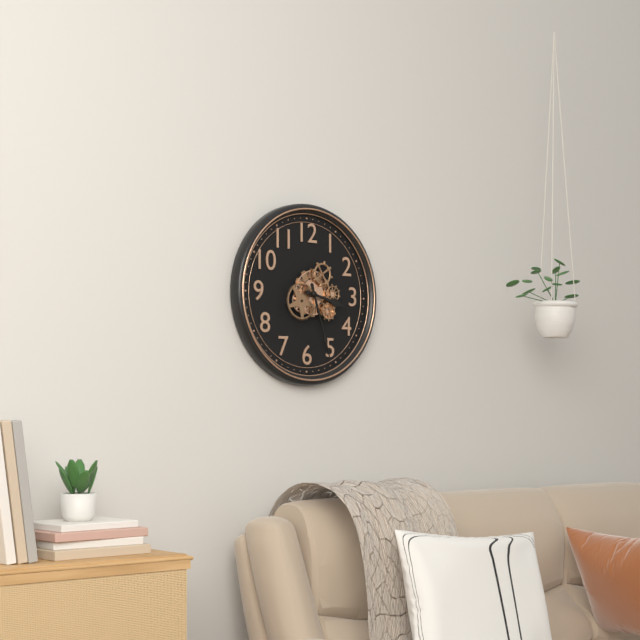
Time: h=3 m=27
